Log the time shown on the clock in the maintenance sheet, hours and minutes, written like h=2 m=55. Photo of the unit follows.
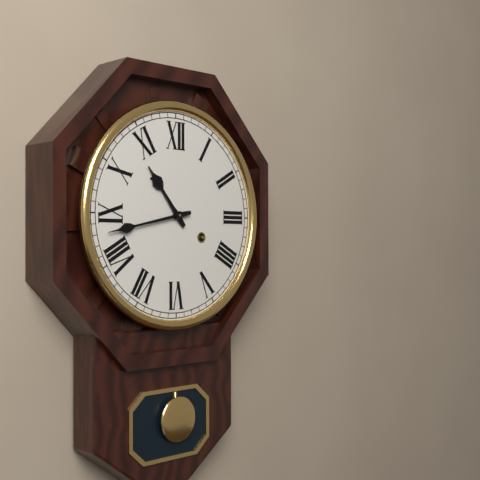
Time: h=10 m=43
